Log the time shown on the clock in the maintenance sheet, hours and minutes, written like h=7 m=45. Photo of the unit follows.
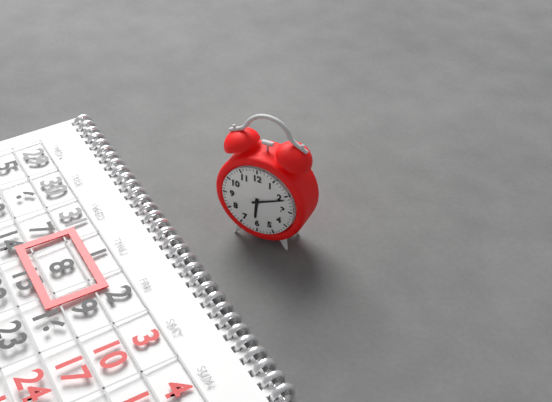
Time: h=6 m=11
